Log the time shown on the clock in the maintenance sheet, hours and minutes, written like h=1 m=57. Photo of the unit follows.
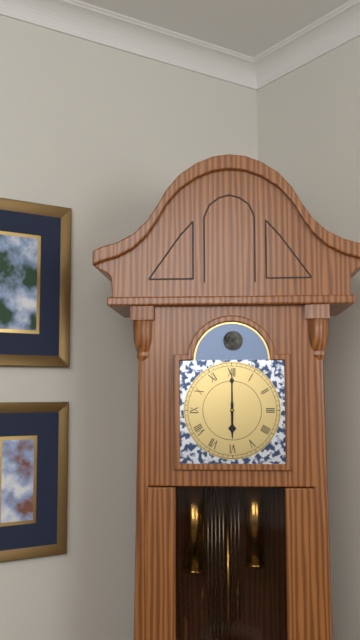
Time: h=6 m=0
